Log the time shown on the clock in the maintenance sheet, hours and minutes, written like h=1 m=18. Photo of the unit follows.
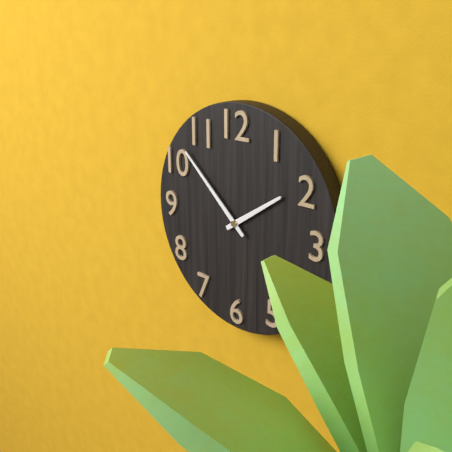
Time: h=1 m=52
